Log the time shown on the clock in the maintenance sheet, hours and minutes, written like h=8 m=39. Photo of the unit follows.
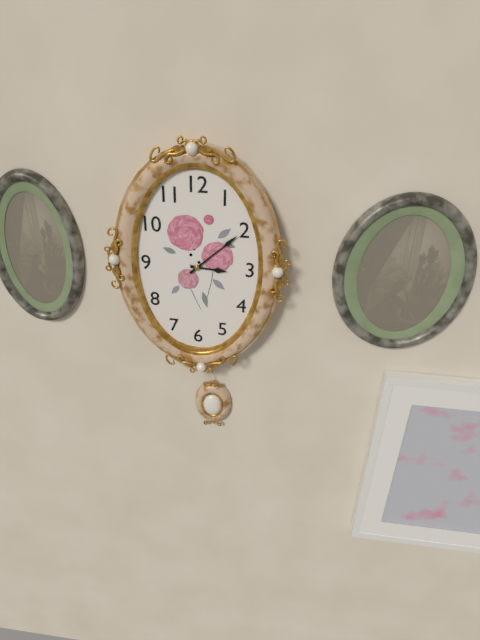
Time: h=3 m=8
